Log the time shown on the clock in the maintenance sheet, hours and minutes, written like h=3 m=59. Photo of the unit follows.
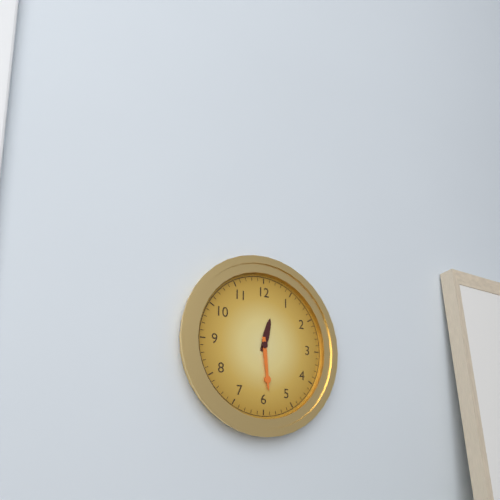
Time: h=12 m=29
